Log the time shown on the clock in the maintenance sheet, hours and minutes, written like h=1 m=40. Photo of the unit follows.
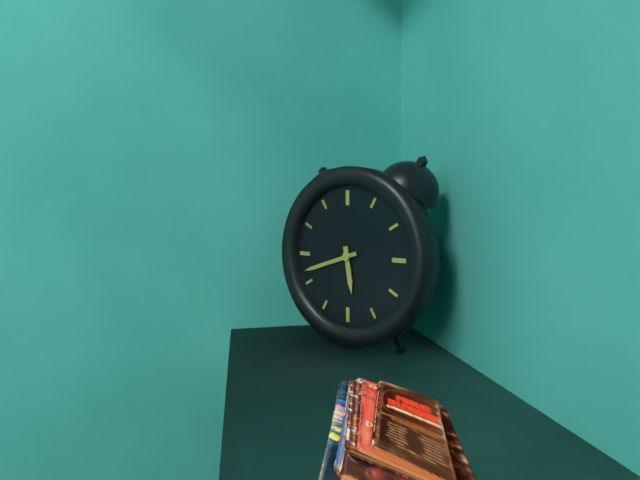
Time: h=5 m=42
